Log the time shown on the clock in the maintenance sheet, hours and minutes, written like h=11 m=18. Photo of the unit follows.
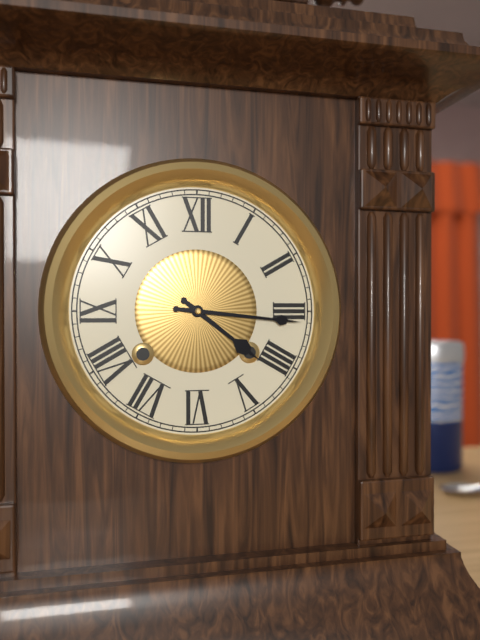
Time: h=4 m=16
